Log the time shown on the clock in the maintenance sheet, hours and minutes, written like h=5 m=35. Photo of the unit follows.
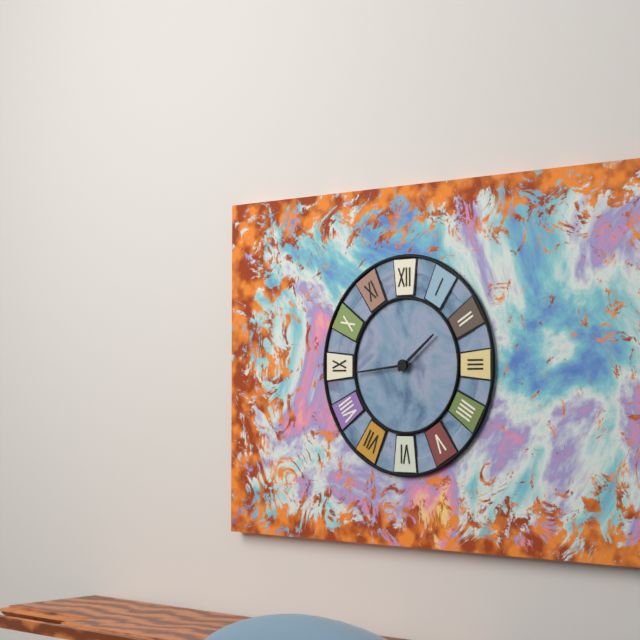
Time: h=1 m=44
